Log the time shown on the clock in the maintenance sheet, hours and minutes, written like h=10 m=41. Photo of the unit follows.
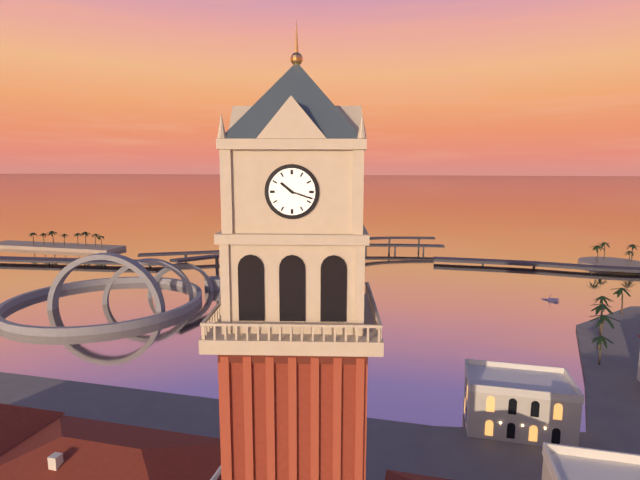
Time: h=10 m=18
